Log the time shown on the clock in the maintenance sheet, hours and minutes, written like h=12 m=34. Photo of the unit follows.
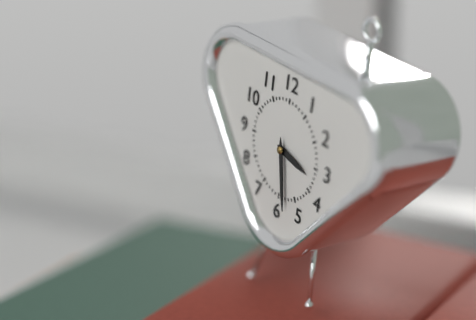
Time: h=3 m=28
